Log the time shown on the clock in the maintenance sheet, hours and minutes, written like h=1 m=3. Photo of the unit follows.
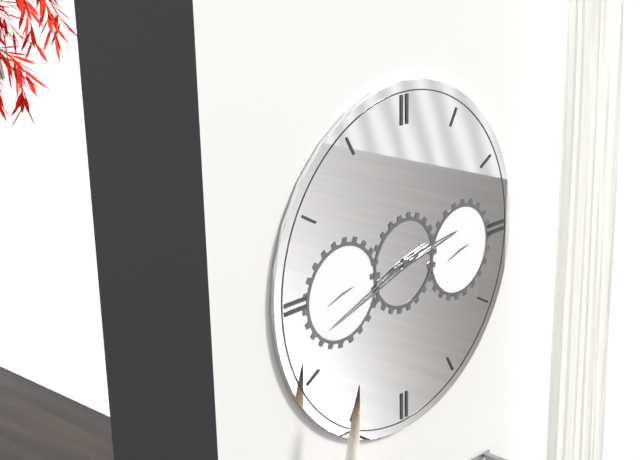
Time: h=2 m=42
